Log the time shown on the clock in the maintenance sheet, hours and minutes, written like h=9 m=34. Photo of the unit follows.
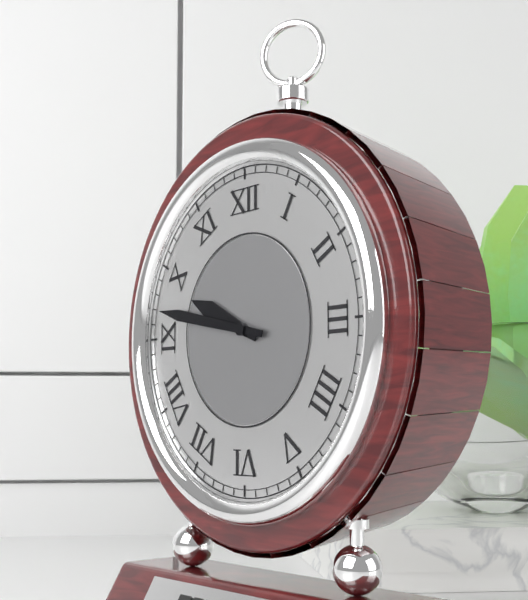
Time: h=9 m=47
